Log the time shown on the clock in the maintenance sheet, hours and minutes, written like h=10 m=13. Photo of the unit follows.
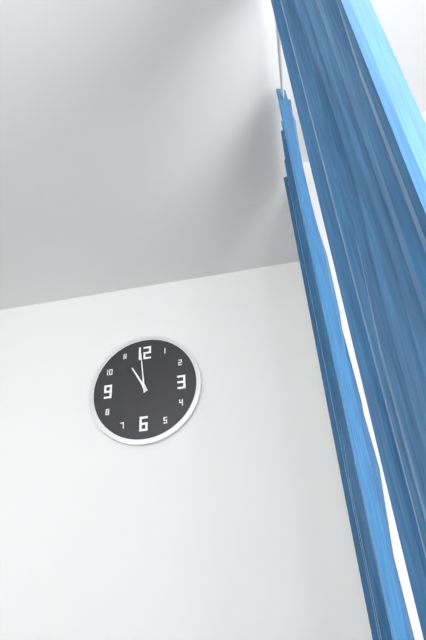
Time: h=10 m=59
